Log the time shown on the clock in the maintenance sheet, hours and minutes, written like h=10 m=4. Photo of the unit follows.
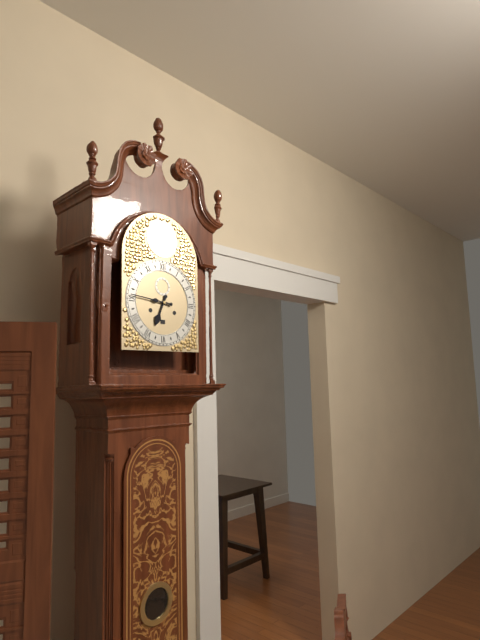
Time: h=6 m=46
